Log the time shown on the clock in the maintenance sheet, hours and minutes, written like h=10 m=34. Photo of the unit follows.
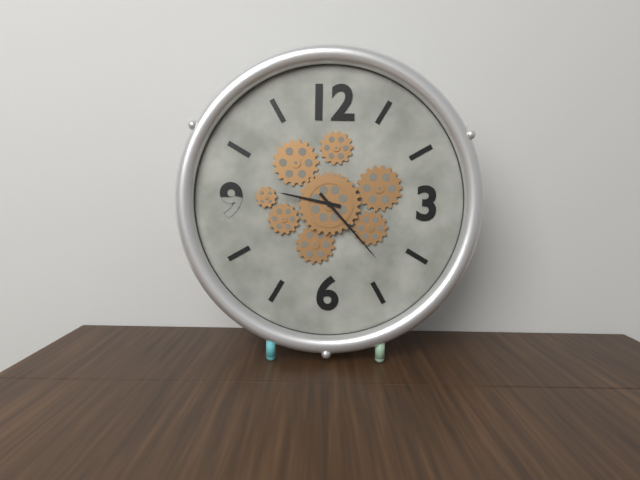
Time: h=9 m=23
